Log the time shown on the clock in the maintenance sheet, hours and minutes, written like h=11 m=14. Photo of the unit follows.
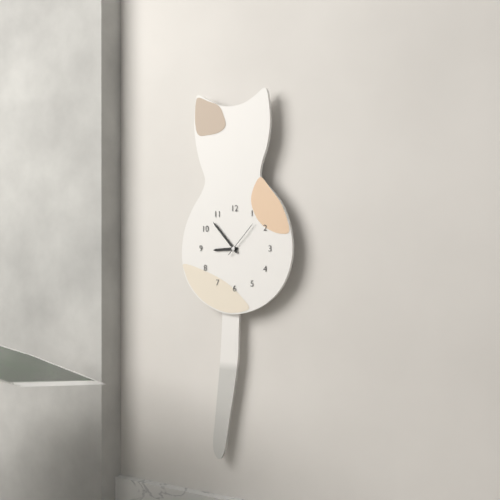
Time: h=8 m=53
